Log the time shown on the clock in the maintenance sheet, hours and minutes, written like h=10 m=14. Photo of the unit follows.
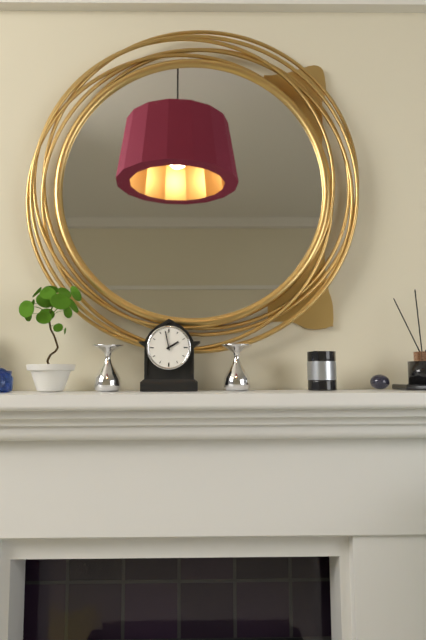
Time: h=1 m=58
